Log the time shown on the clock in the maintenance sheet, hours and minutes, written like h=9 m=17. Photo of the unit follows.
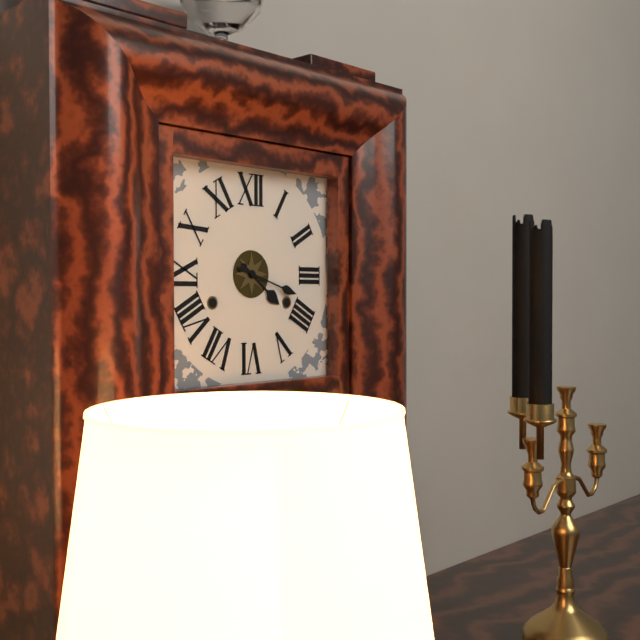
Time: h=4 m=18
